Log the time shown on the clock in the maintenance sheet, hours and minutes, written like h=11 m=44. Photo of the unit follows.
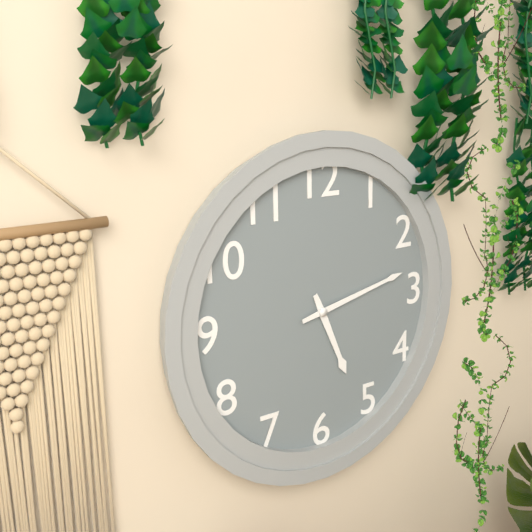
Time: h=5 m=13
